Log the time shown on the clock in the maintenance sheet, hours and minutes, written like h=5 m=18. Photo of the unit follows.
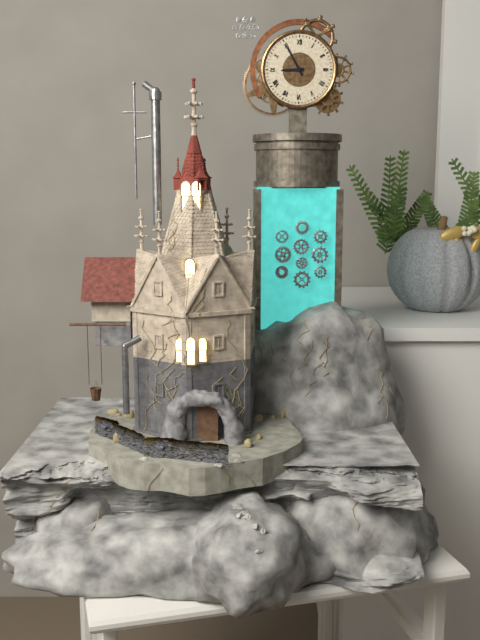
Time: h=8 m=55
